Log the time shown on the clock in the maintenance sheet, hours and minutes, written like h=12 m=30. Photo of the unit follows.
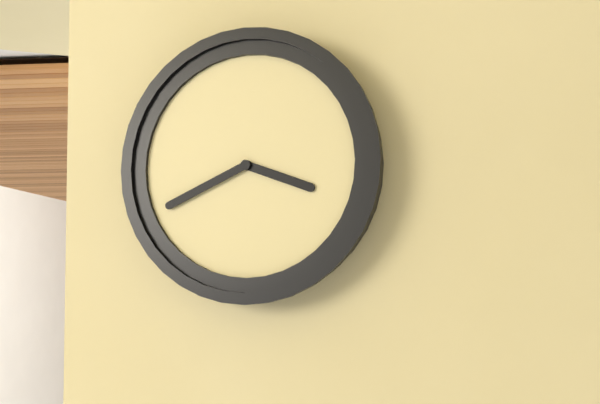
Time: h=3 m=41
